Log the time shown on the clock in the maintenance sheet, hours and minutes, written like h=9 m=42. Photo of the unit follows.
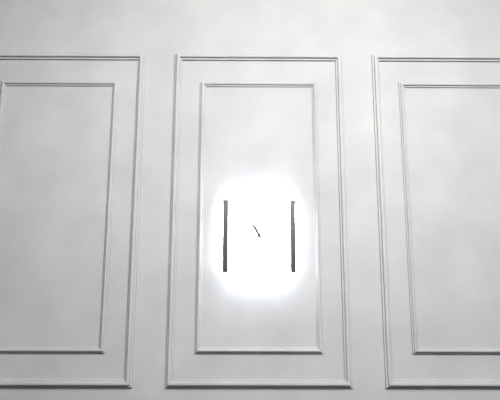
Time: h=10 m=56
